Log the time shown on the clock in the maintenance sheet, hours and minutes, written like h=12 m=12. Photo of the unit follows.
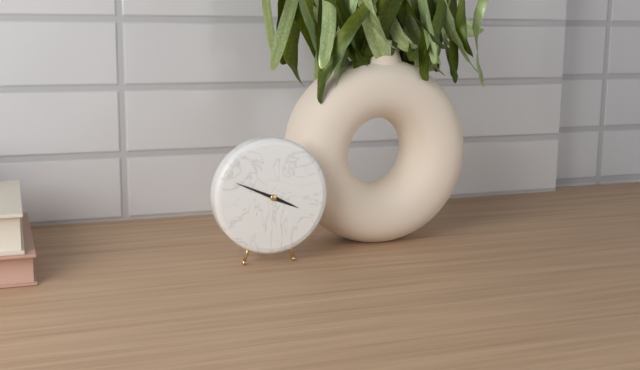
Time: h=3 m=49
